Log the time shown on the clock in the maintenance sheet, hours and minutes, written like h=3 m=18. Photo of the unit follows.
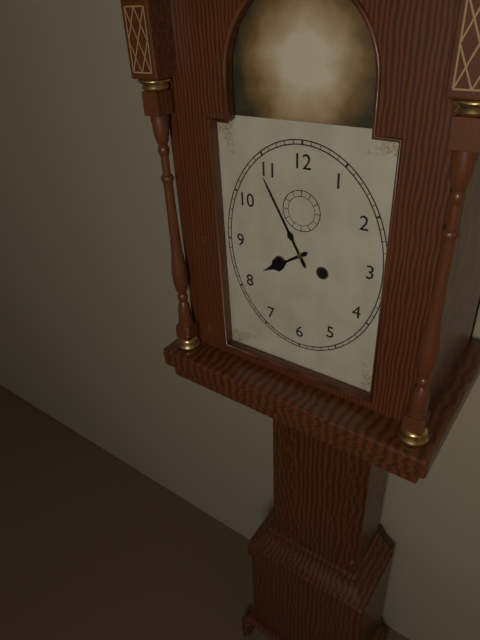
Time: h=7 m=55
